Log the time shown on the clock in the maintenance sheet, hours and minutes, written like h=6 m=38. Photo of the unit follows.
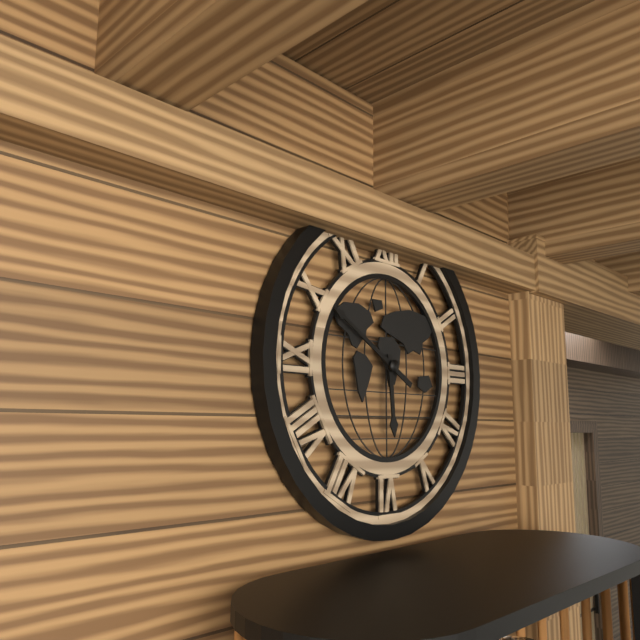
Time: h=5 m=50
